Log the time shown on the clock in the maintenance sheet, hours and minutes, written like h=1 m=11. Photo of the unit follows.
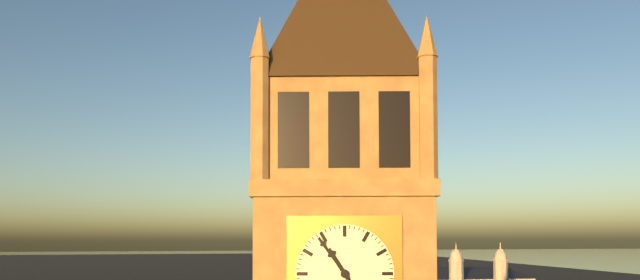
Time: h=10 m=54
